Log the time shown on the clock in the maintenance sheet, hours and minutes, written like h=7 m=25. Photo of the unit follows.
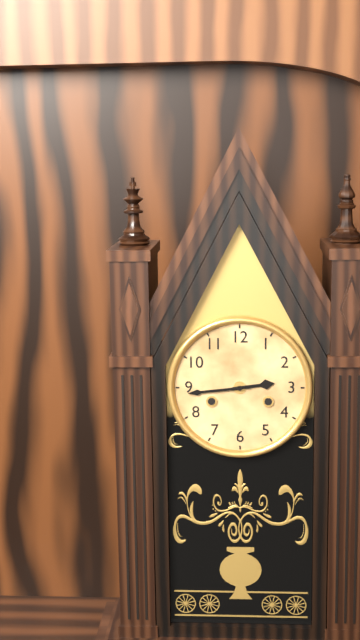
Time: h=2 m=44
